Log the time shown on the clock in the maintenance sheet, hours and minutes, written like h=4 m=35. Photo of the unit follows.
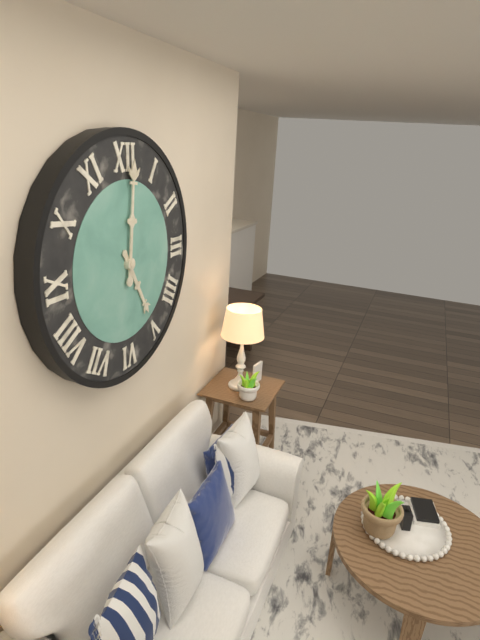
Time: h=5 m=1
